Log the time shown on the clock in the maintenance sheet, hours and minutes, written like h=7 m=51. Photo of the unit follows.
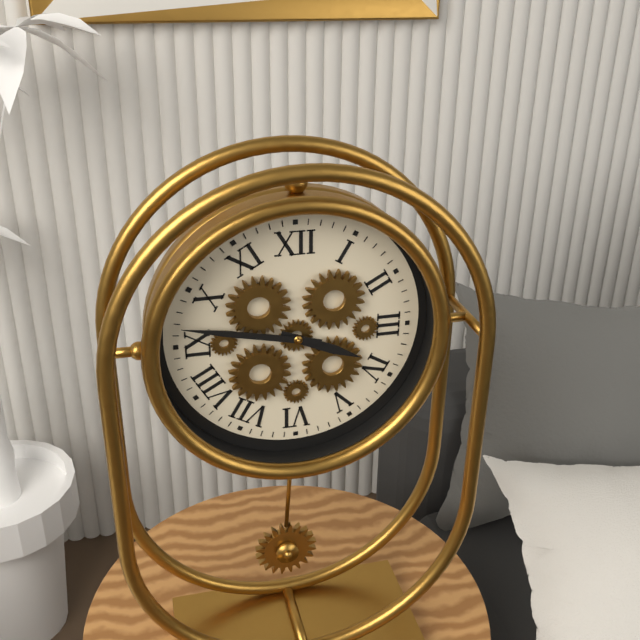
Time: h=3 m=47
